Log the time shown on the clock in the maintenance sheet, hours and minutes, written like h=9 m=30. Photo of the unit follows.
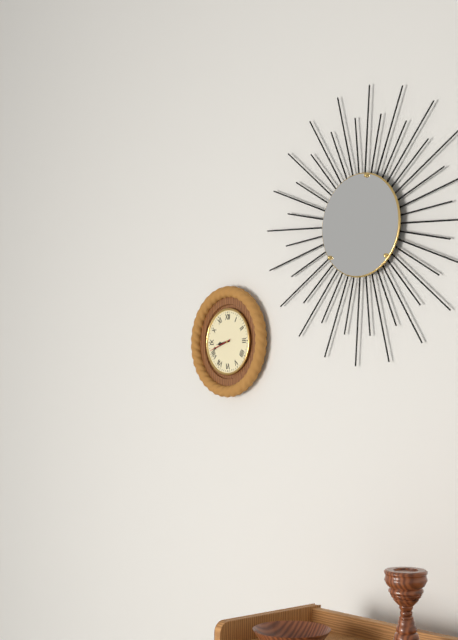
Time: h=8 m=42
